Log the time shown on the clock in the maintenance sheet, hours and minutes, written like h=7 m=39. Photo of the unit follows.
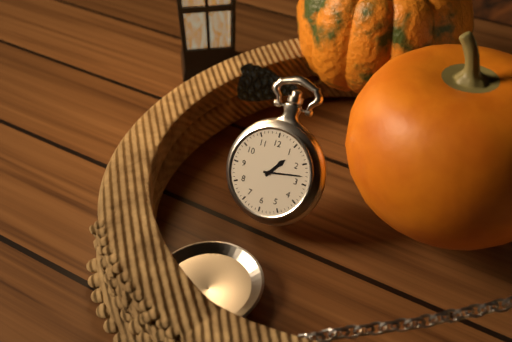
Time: h=1 m=13
